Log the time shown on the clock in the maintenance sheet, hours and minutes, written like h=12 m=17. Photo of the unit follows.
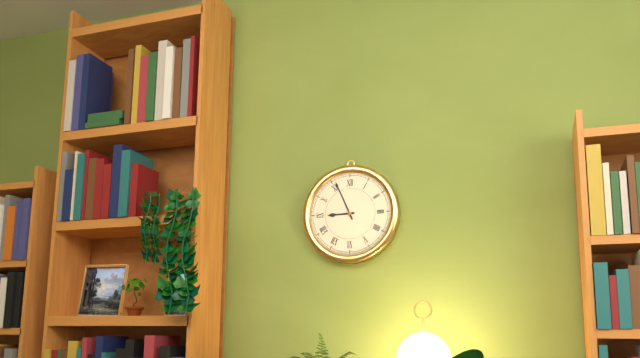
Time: h=8 m=56
